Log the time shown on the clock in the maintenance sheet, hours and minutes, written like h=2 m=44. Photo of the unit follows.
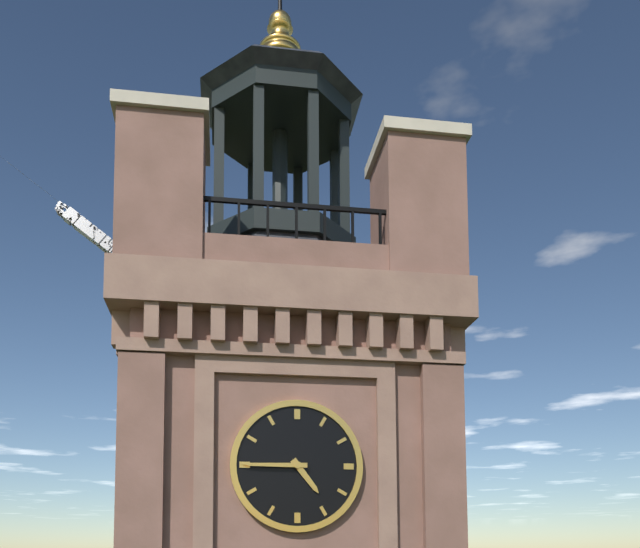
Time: h=4 m=45
